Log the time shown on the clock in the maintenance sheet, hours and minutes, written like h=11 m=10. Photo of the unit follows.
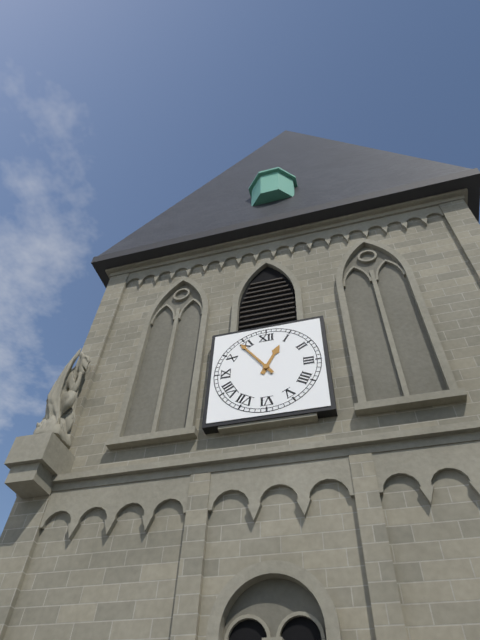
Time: h=12 m=54
